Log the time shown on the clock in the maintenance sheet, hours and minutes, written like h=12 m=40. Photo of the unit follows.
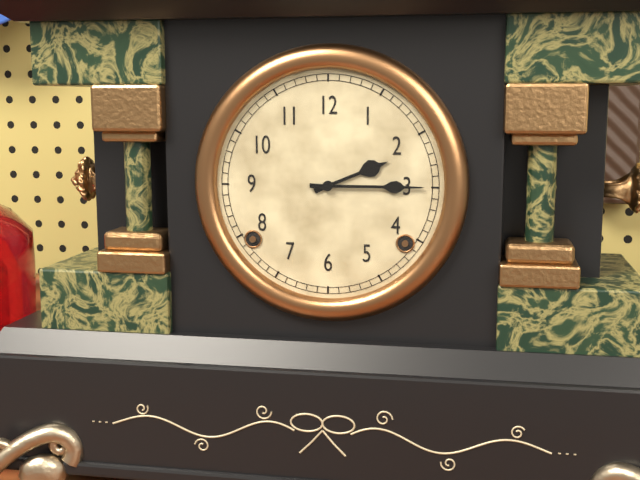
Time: h=2 m=15
